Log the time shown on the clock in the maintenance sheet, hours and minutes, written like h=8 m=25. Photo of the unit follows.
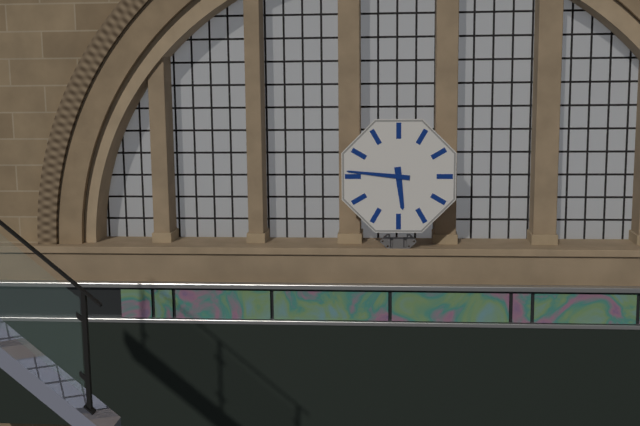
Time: h=5 m=46
